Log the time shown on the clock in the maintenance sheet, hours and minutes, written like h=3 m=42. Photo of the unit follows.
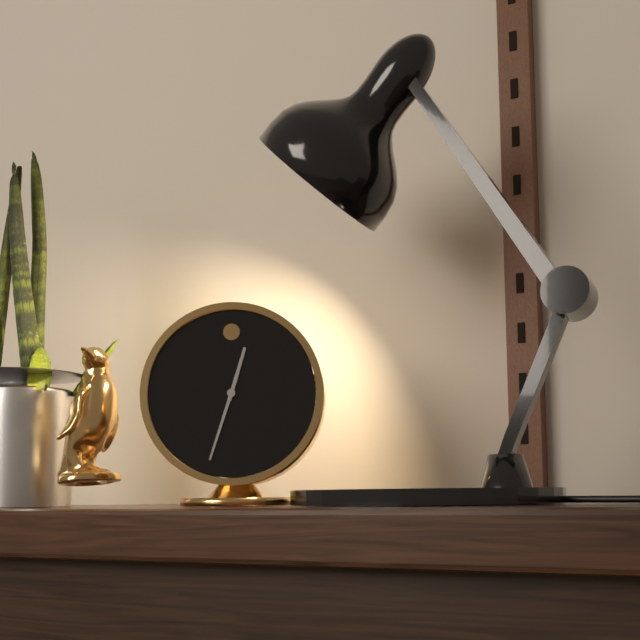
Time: h=12 m=33
